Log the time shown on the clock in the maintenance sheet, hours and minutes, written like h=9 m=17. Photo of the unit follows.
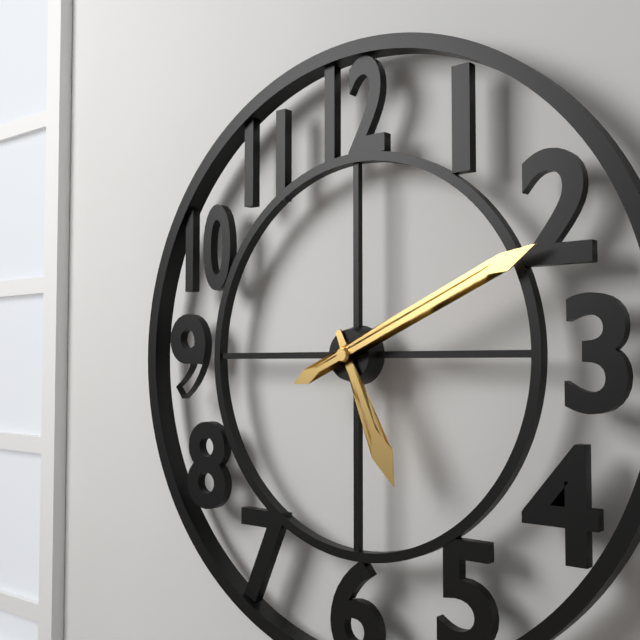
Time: h=5 m=11
